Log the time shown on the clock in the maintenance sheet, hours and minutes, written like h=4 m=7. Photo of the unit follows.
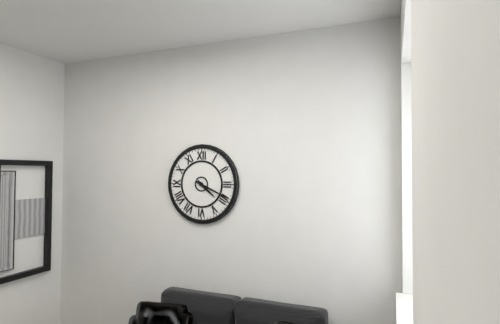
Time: h=4 m=19
